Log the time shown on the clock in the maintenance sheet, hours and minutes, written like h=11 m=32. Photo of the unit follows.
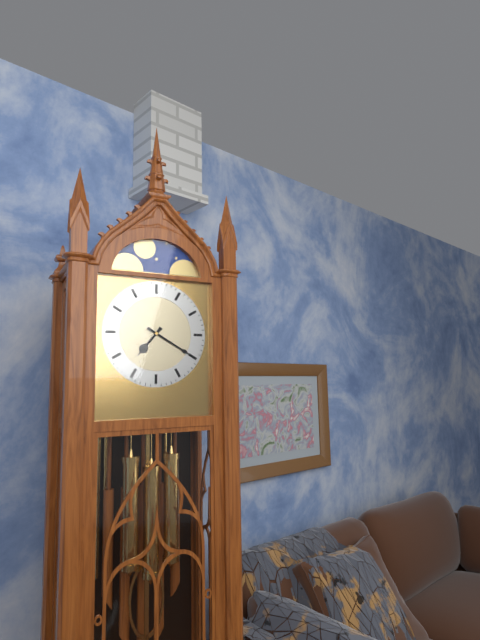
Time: h=7 m=20
